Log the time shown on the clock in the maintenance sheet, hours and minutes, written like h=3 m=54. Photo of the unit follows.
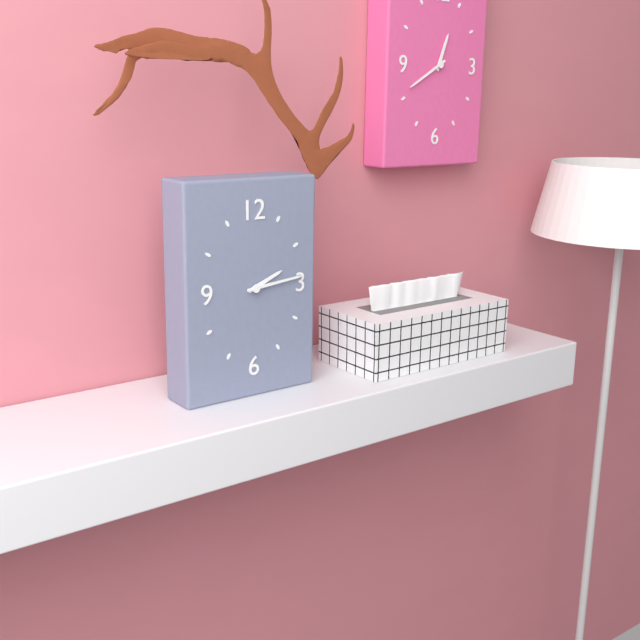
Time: h=2 m=14
